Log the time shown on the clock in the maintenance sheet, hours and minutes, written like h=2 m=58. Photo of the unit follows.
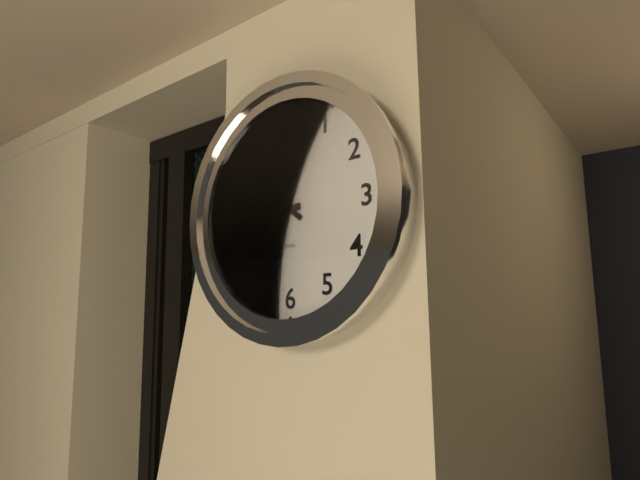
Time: h=8 m=51
